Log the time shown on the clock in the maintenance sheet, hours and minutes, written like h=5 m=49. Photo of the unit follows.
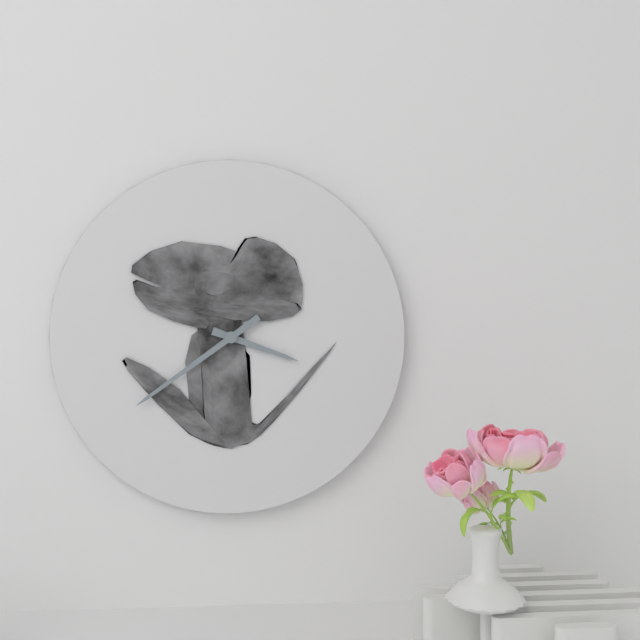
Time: h=3 m=39
